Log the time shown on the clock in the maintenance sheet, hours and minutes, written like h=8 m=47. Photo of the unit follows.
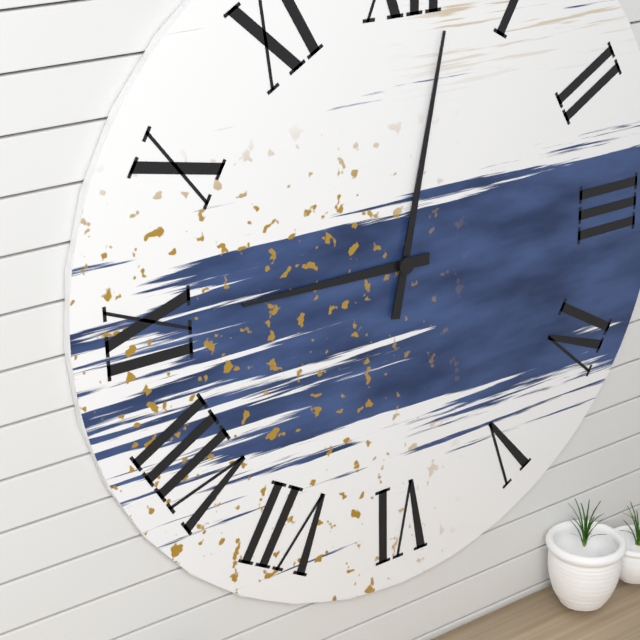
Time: h=9 m=2
